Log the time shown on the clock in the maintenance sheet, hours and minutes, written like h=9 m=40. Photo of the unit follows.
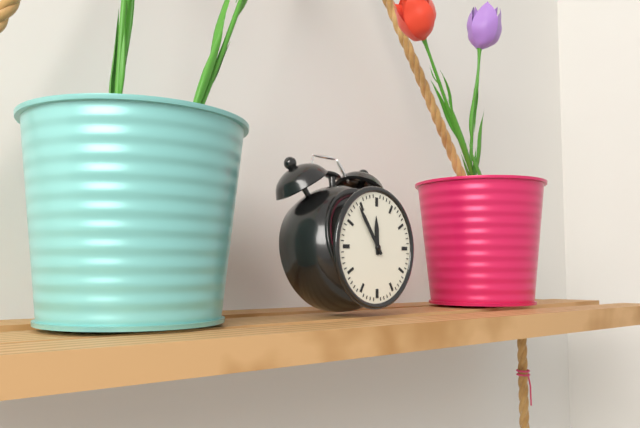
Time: h=11 m=54
